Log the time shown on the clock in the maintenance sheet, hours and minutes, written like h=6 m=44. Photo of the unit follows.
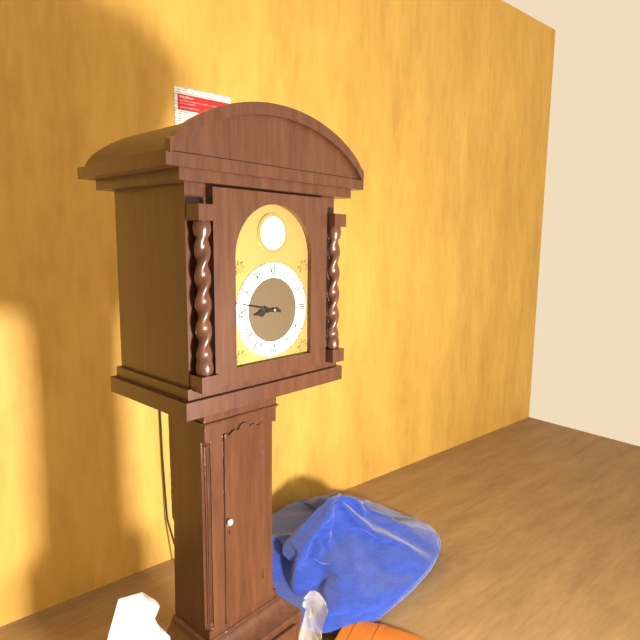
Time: h=8 m=47
